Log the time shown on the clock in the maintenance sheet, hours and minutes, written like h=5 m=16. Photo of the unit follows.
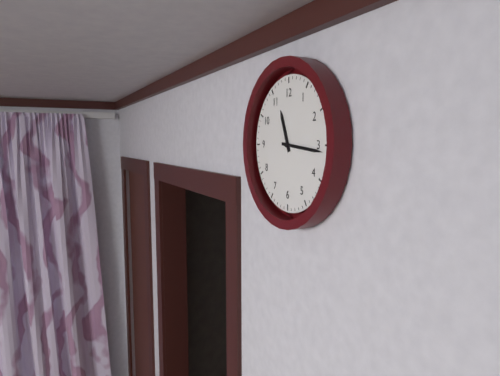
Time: h=11 m=16
